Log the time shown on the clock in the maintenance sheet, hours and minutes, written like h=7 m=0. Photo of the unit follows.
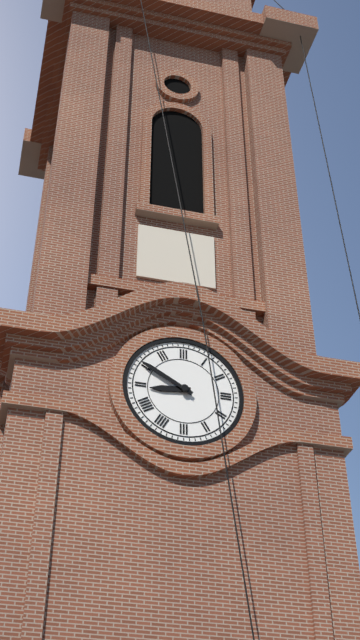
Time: h=8 m=50
